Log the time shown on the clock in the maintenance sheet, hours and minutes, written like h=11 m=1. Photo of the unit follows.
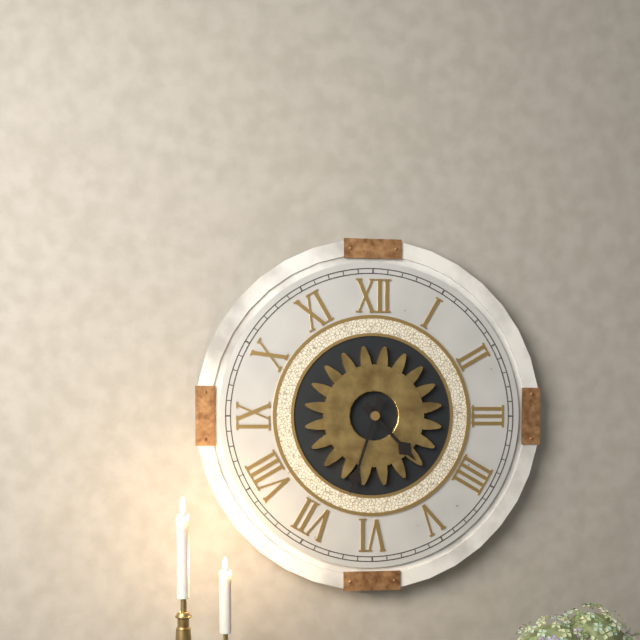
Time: h=4 m=33
